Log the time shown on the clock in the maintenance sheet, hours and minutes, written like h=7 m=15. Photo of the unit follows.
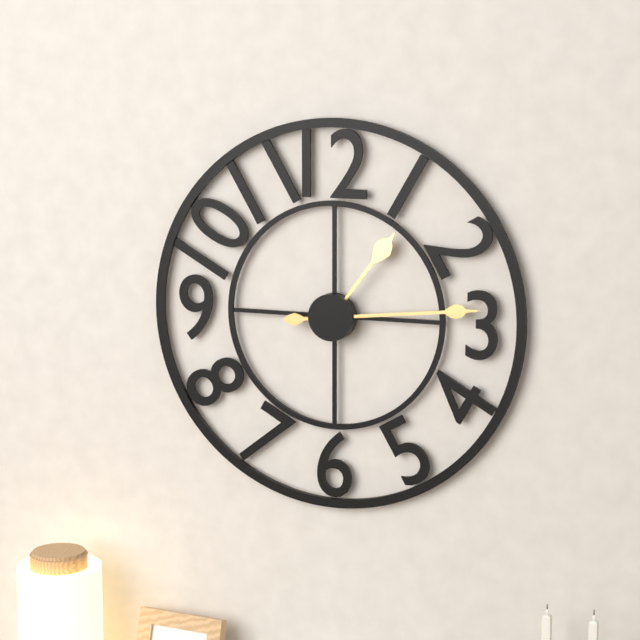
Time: h=1 m=14
